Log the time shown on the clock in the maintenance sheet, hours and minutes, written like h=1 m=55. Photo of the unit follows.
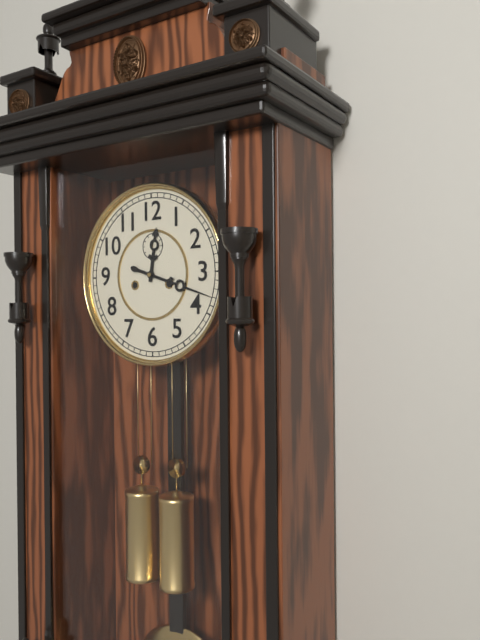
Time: h=12 m=18
